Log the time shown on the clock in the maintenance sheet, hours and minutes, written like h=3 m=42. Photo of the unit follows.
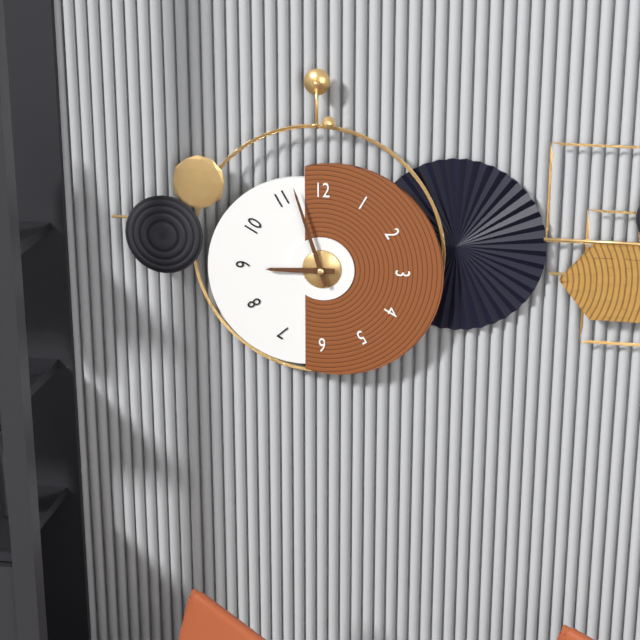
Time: h=8 m=57
